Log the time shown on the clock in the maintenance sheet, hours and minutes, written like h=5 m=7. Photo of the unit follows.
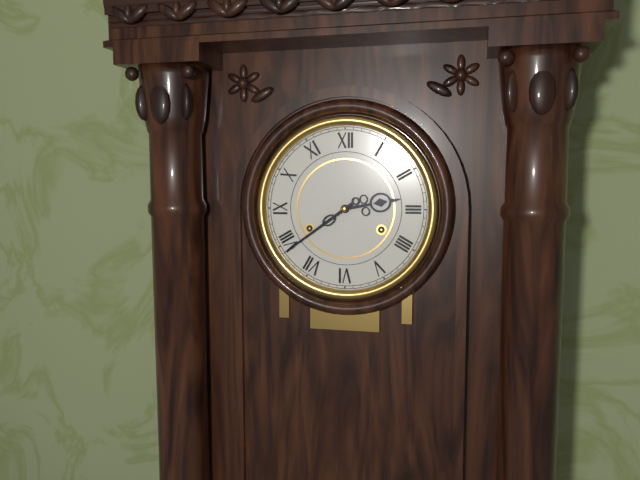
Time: h=2 m=39
